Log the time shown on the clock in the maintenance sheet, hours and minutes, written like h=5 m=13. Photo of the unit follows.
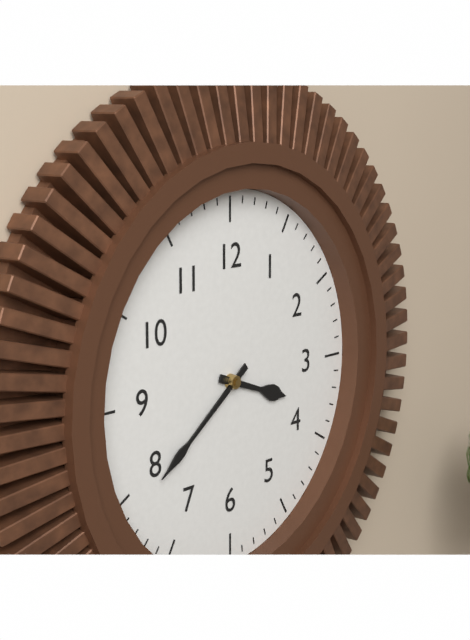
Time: h=3 m=39
